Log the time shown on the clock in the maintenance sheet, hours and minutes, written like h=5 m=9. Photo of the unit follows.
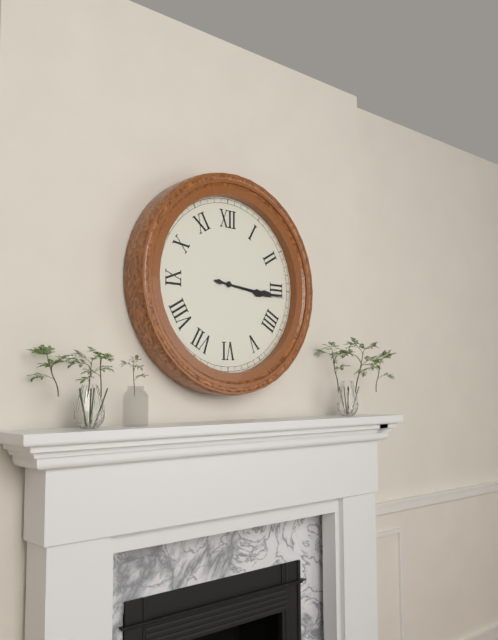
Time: h=3 m=16
